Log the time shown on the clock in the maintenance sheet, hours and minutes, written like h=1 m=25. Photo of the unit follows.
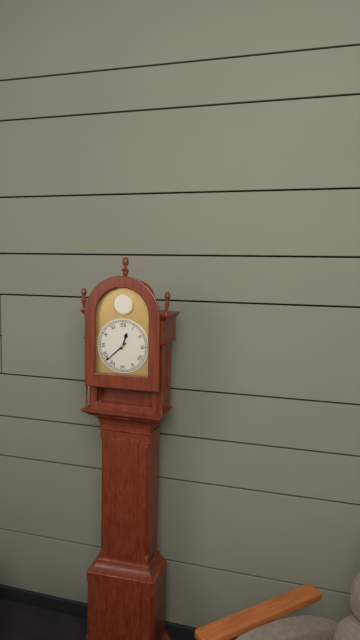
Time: h=12 m=38
